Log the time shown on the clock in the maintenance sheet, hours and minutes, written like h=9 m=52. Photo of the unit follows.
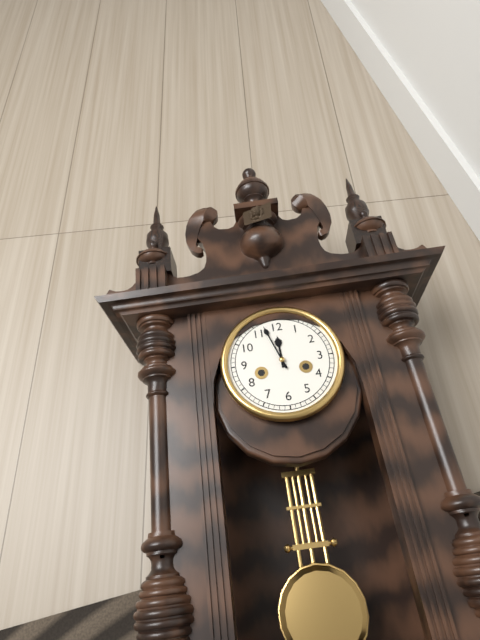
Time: h=11 m=57
